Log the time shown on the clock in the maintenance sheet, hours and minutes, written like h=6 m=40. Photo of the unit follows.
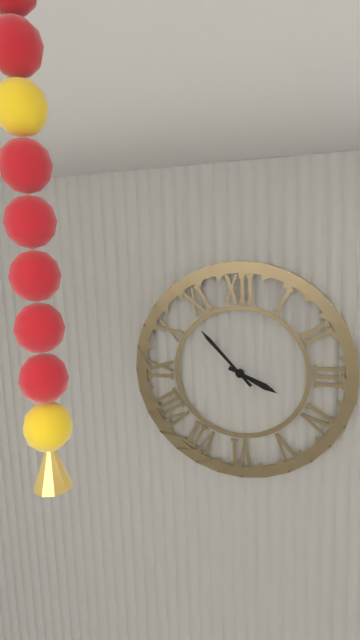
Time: h=3 m=53
